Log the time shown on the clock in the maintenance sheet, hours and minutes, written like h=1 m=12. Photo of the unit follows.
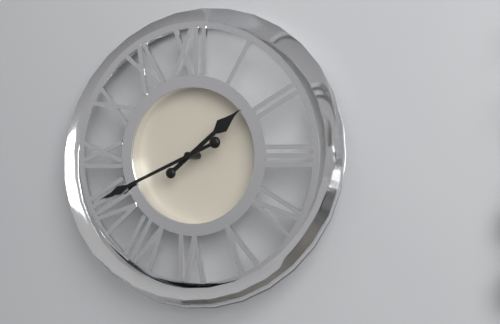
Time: h=1 m=41
